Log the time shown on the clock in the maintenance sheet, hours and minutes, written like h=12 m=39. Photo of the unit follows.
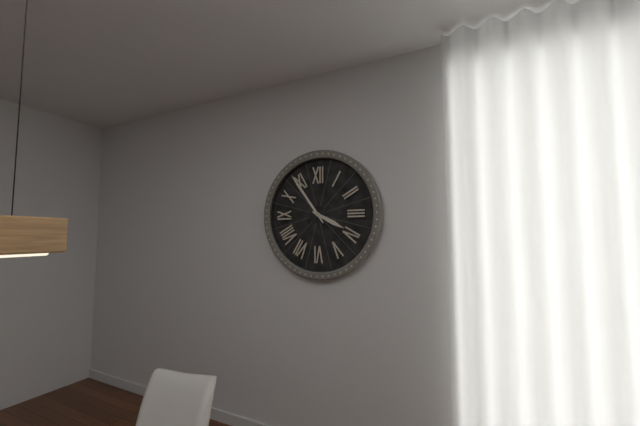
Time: h=3 m=54
